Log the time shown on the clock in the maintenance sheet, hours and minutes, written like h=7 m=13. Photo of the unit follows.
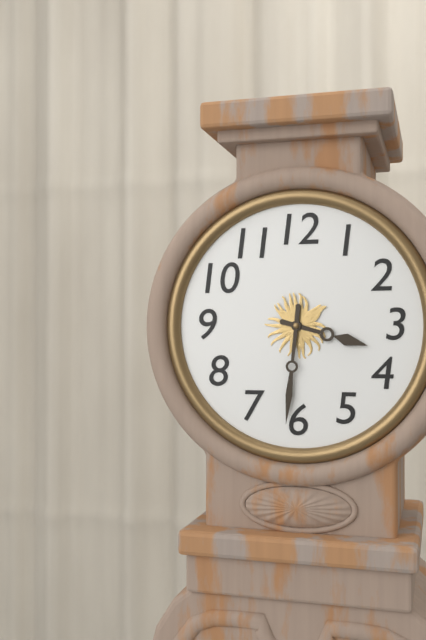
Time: h=3 m=31
